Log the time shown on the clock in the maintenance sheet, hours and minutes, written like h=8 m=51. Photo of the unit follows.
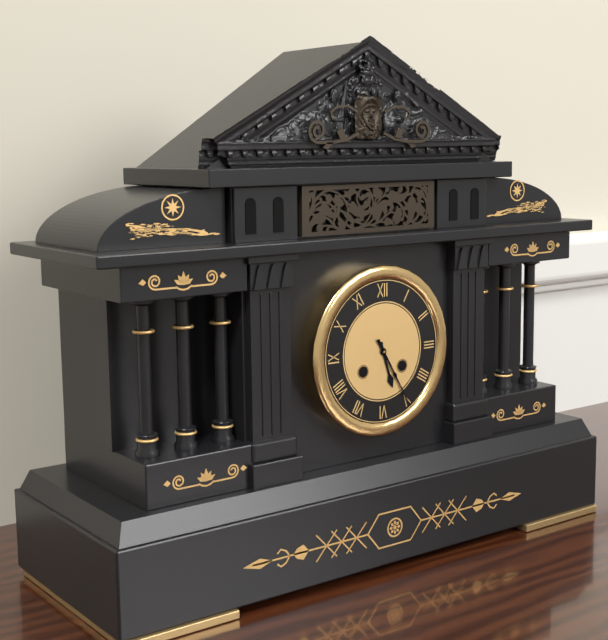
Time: h=5 m=25
